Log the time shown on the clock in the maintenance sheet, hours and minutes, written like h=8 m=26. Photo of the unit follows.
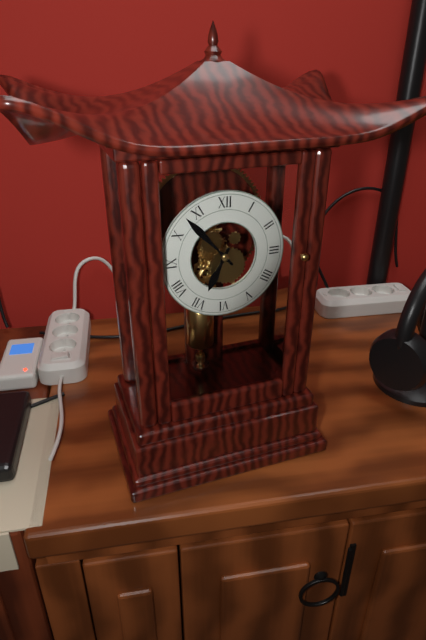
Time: h=6 m=53
